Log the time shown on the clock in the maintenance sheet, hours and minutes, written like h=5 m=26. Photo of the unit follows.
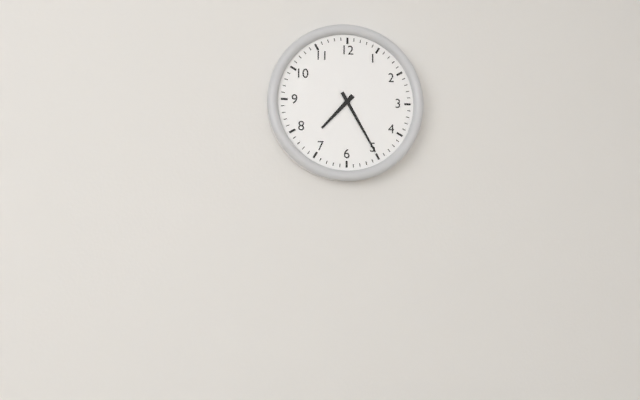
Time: h=7 m=25
